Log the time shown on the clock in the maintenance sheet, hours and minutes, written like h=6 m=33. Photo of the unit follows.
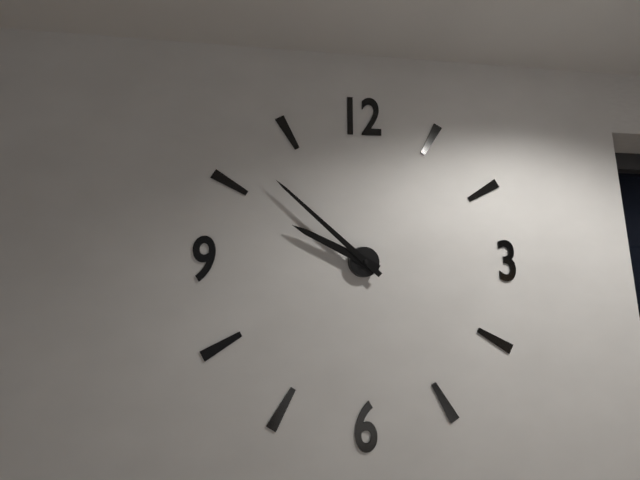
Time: h=9 m=52
